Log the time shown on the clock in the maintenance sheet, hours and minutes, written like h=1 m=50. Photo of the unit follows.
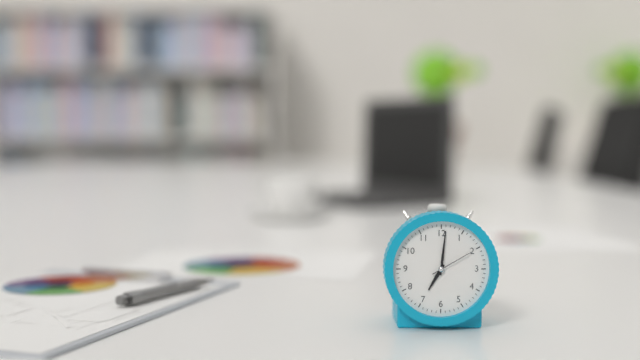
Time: h=7 m=1
